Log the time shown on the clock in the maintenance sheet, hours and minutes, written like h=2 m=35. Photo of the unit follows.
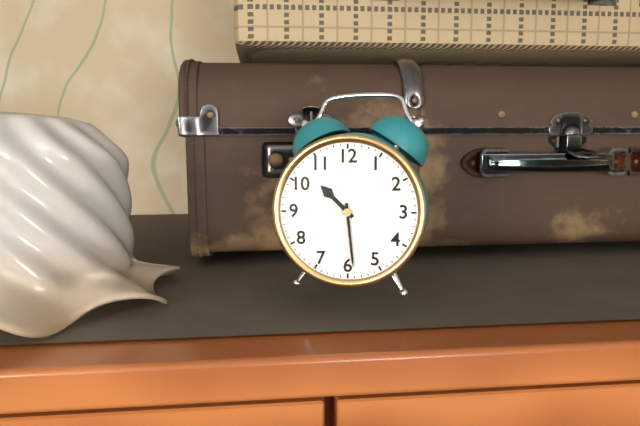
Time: h=10 m=29
